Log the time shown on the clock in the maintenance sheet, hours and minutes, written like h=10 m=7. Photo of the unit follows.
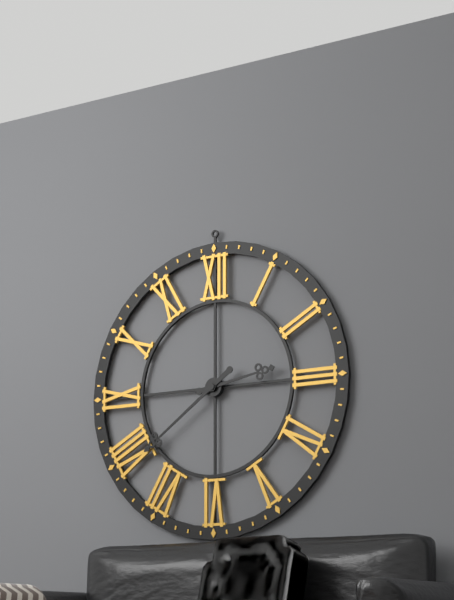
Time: h=2 m=39
